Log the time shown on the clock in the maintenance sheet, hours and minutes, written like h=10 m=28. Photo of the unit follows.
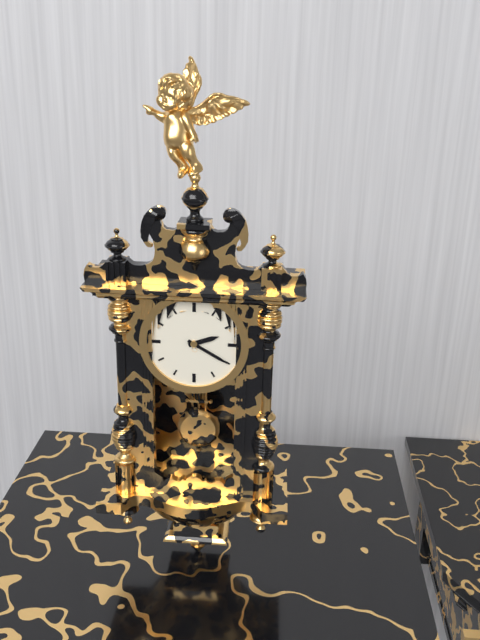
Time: h=2 m=20
